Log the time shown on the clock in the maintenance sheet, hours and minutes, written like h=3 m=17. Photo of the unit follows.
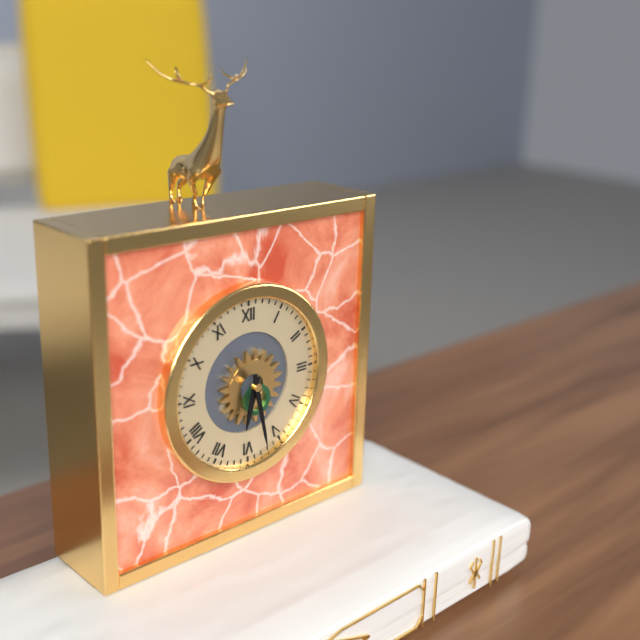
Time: h=6 m=28
